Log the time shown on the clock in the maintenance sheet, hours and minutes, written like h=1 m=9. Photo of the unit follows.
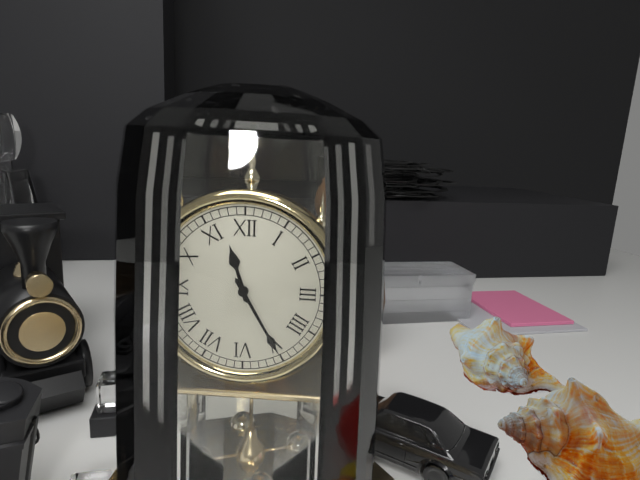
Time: h=11 m=25
